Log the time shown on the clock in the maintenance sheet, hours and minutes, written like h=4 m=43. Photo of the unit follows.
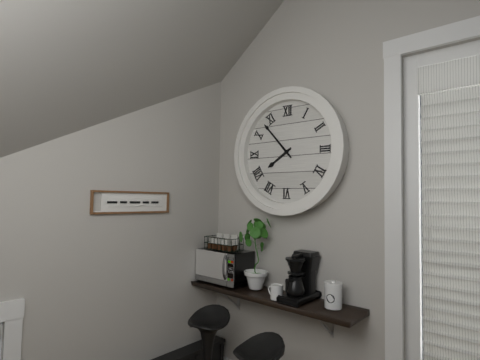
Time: h=7 m=53
